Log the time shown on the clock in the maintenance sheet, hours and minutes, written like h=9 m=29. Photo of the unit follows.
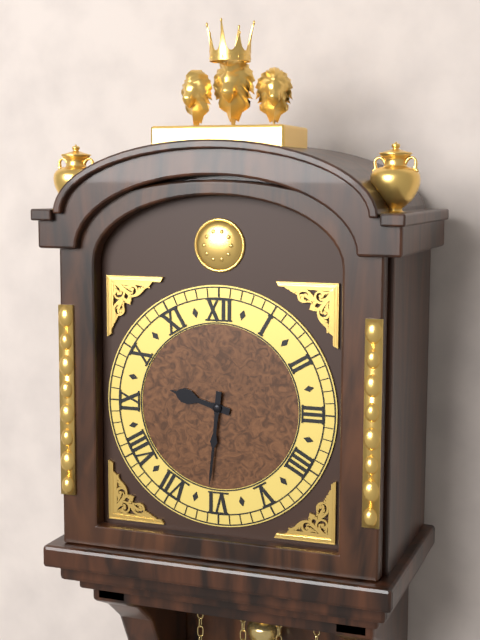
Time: h=9 m=31
